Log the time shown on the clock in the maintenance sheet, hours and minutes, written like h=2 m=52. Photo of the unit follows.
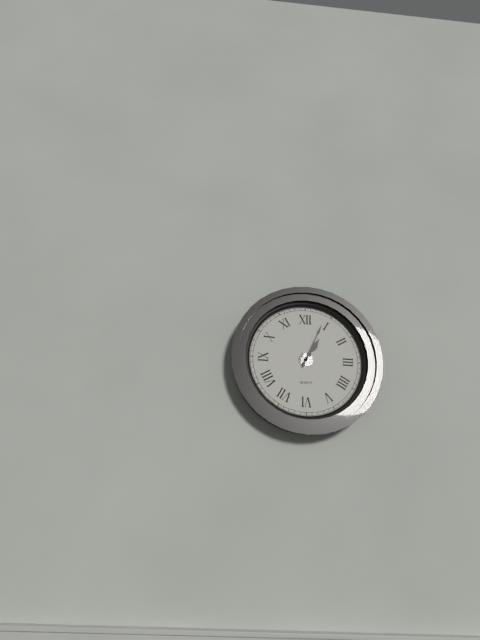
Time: h=1 m=4
